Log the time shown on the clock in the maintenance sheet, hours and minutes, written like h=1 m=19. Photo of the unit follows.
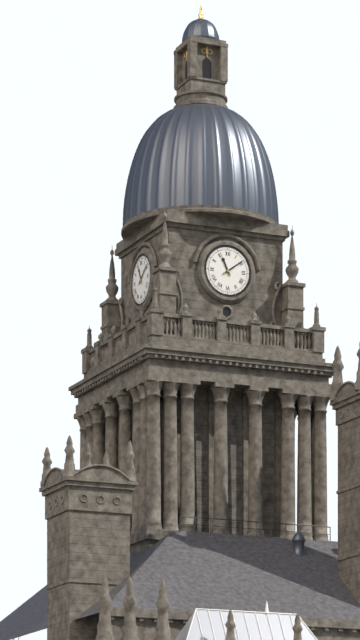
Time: h=11 m=9
